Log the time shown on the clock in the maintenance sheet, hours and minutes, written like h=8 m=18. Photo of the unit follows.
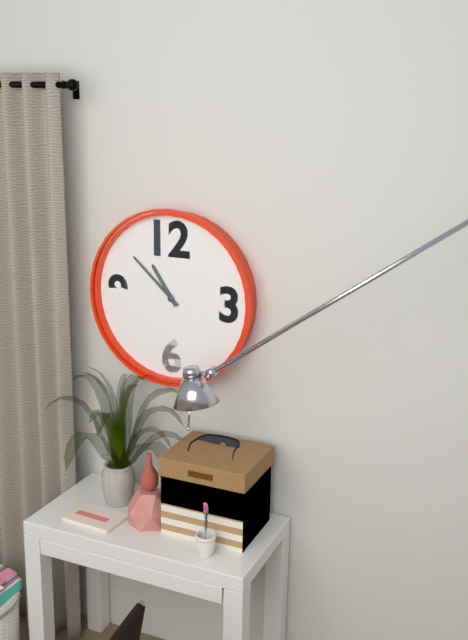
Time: h=10 m=52
